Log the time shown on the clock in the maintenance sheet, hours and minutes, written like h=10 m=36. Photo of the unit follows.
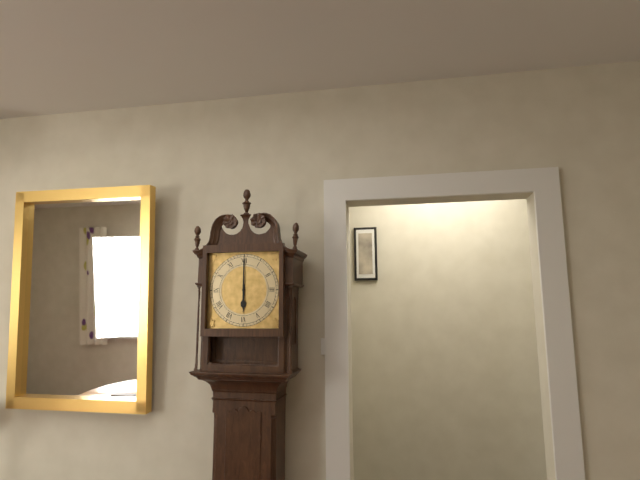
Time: h=6 m=0
